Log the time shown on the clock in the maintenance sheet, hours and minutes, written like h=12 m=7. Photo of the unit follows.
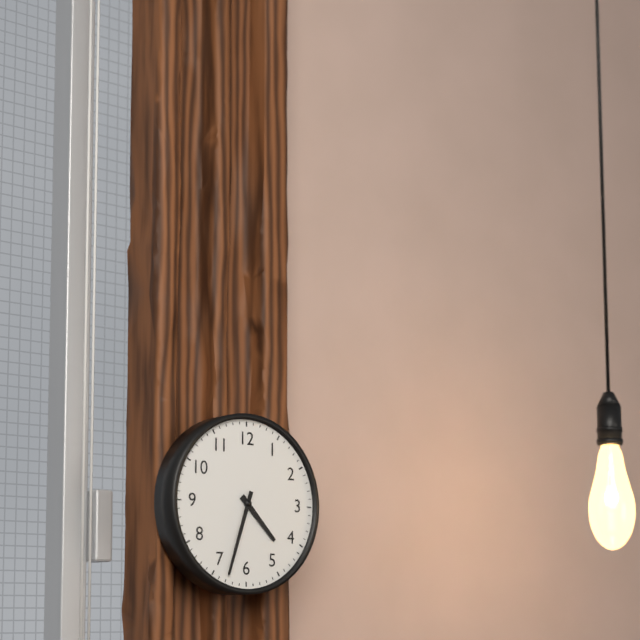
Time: h=4 m=33
